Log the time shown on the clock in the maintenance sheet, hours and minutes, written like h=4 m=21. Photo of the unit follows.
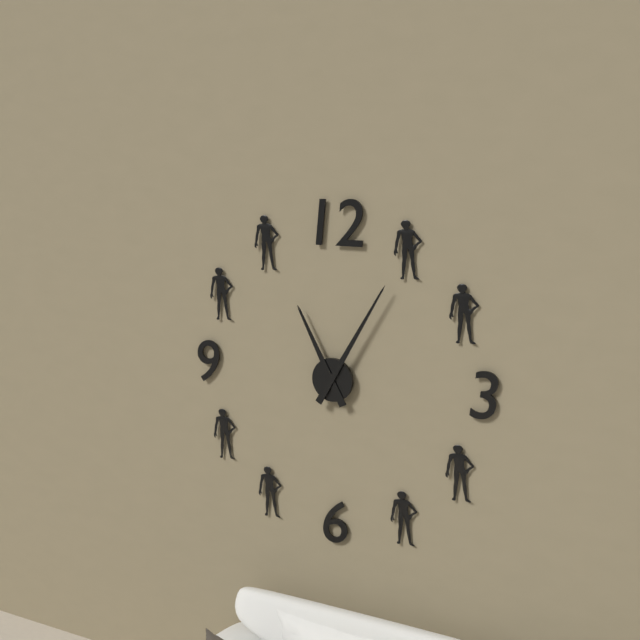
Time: h=11 m=5
